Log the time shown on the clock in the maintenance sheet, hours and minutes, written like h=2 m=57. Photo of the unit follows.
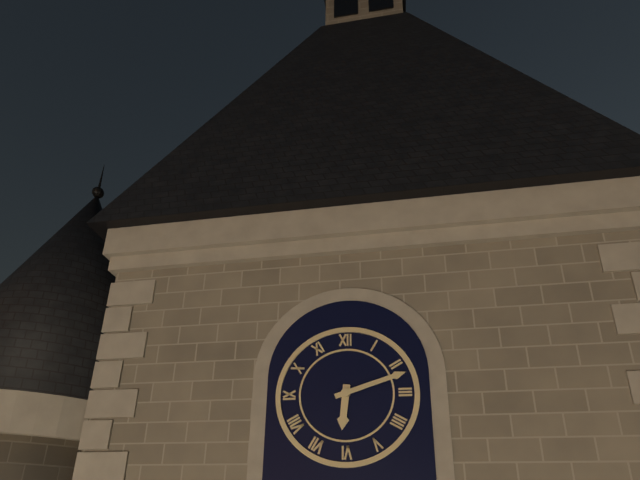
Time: h=6 m=12
